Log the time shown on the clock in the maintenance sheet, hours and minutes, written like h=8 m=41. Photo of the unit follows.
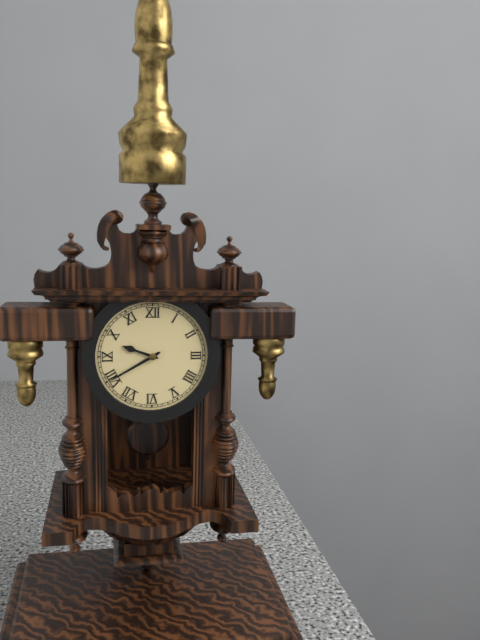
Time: h=9 m=40
